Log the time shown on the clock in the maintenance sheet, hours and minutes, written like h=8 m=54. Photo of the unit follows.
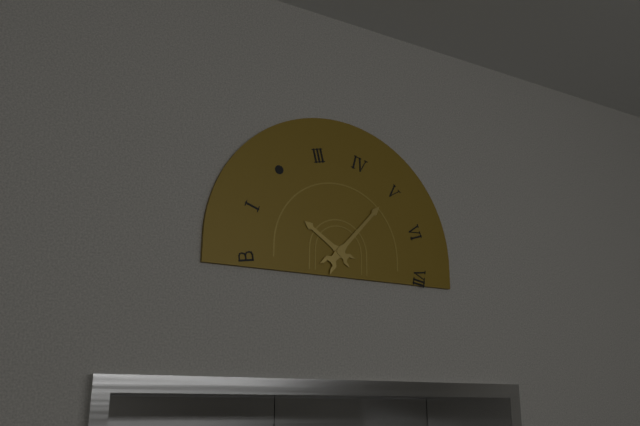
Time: h=10 m=7
